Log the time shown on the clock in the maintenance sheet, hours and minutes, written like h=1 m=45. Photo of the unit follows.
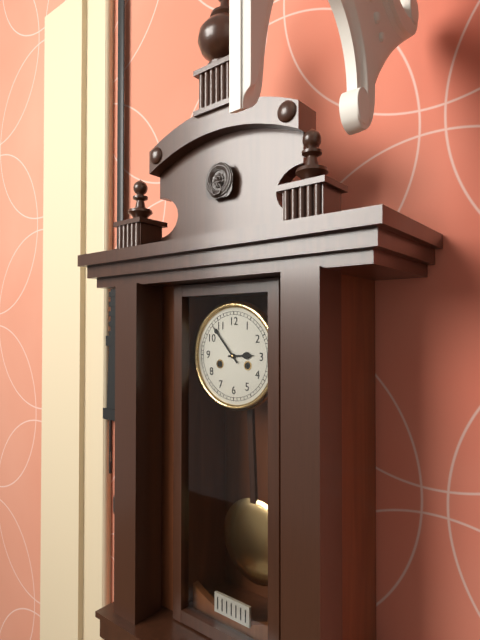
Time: h=2 m=53
